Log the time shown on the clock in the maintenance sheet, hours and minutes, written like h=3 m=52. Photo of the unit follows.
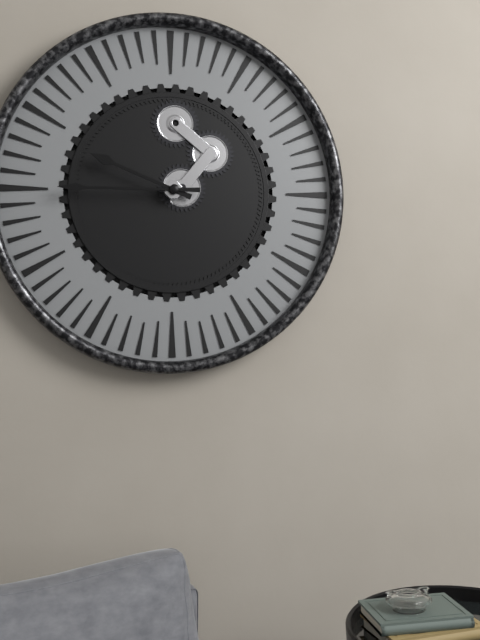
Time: h=9 m=45
